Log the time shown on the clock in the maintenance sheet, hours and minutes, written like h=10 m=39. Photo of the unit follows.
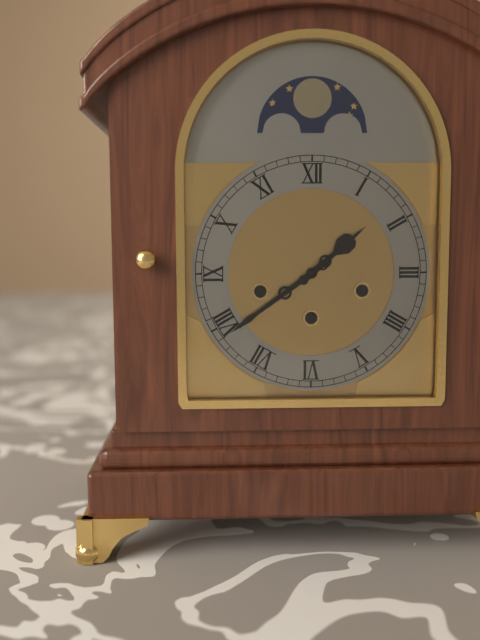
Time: h=1 m=39
